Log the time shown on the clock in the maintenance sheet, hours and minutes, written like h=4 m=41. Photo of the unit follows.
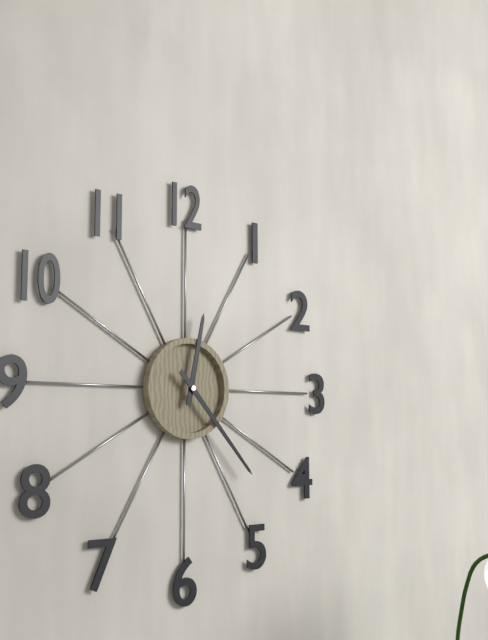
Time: h=12 m=23
